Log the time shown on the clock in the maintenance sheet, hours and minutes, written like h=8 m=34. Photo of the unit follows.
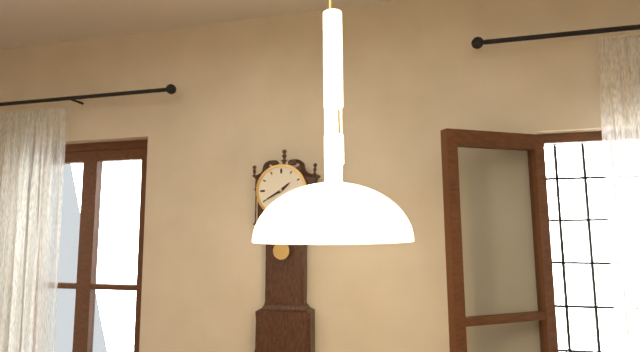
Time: h=1 m=40
